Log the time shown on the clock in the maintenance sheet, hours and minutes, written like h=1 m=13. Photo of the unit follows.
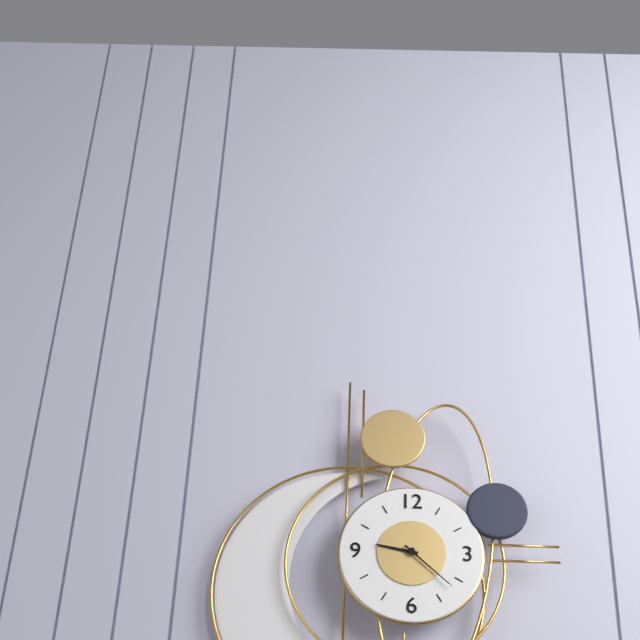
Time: h=9 m=22
